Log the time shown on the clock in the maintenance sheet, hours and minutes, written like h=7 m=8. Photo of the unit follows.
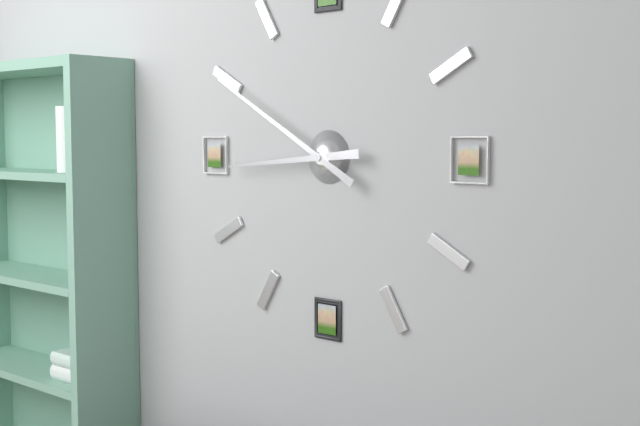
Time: h=8 m=50
